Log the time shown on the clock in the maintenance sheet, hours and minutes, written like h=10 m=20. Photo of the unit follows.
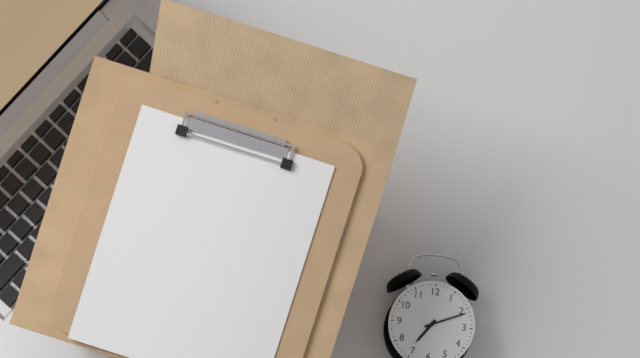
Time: h=7 m=11
